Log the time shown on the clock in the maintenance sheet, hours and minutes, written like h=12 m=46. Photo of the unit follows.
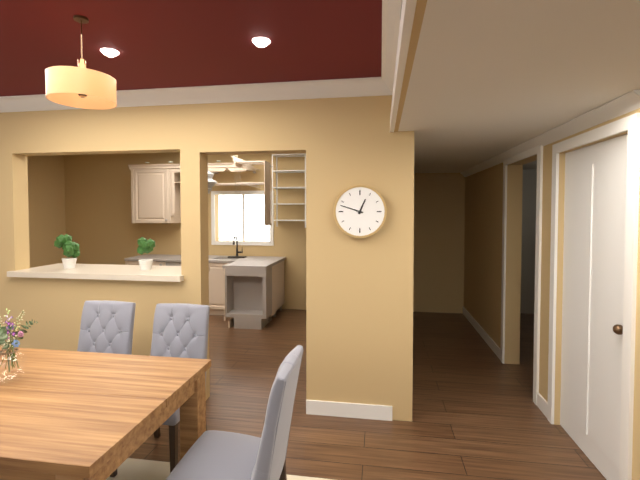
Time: h=12 m=48
